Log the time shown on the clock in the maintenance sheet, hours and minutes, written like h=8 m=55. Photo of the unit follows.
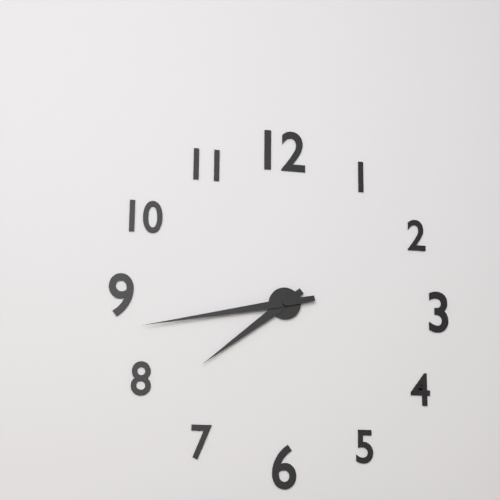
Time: h=7 m=43
